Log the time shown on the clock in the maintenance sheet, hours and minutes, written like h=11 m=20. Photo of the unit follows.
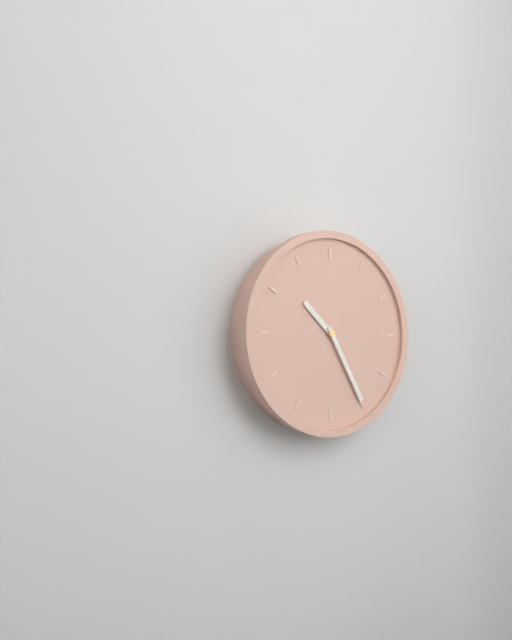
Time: h=10 m=25
